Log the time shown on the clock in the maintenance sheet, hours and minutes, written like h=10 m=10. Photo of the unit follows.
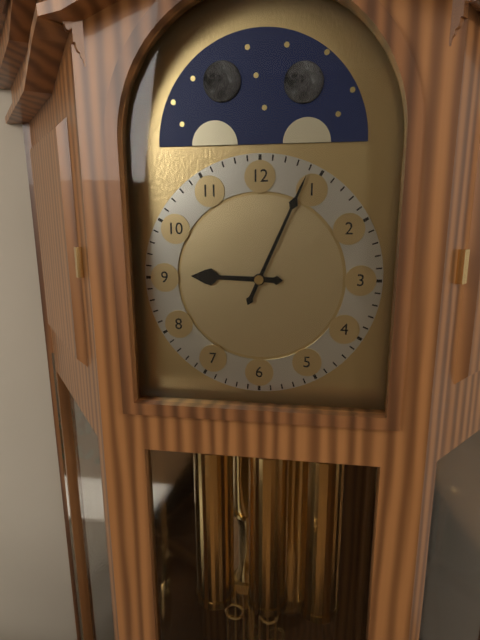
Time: h=9 m=4
